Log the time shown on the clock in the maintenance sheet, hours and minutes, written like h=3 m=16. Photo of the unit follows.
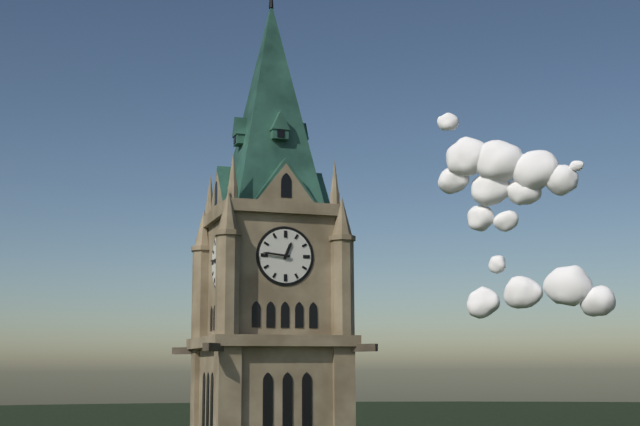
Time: h=12 m=46
